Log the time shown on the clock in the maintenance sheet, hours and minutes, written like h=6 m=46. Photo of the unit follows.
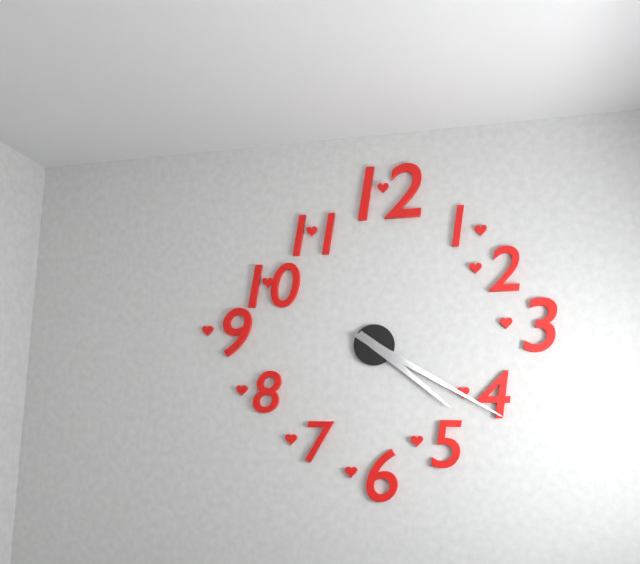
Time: h=4 m=20
